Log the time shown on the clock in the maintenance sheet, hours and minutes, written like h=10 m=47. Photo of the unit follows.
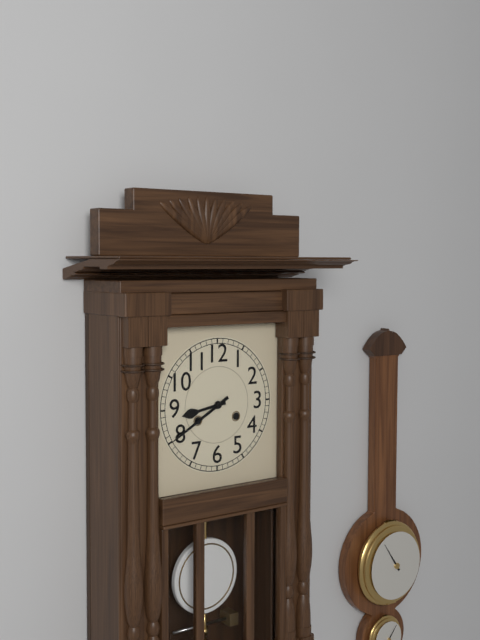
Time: h=8 m=40
